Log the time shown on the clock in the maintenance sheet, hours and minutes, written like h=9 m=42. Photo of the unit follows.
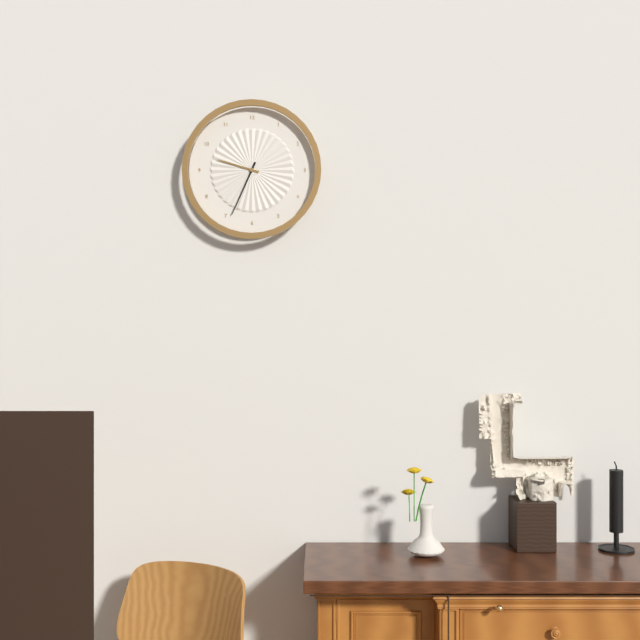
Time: h=9 m=34
